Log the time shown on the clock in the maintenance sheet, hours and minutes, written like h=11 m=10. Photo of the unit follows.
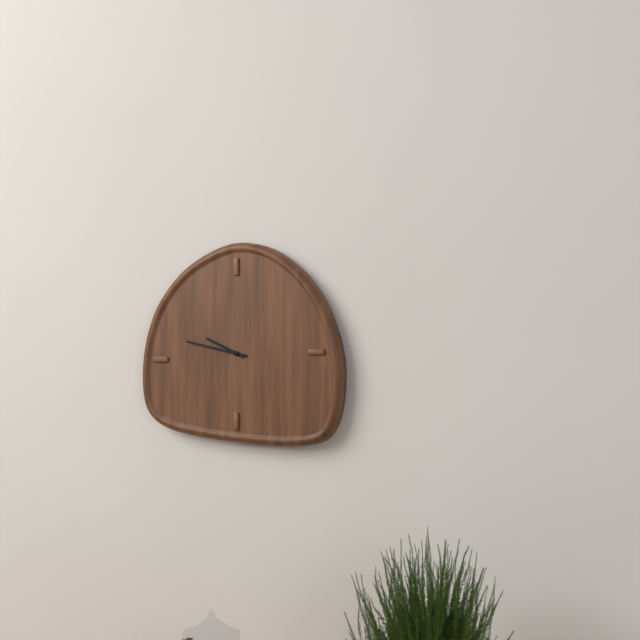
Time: h=9 m=47
